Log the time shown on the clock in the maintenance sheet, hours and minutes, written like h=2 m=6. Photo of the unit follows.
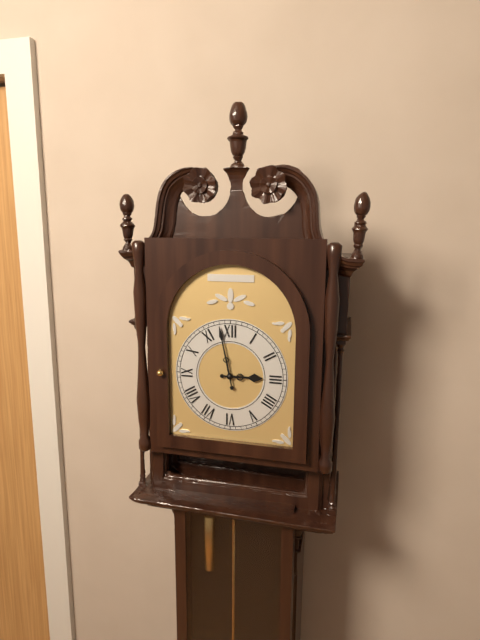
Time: h=2 m=58
